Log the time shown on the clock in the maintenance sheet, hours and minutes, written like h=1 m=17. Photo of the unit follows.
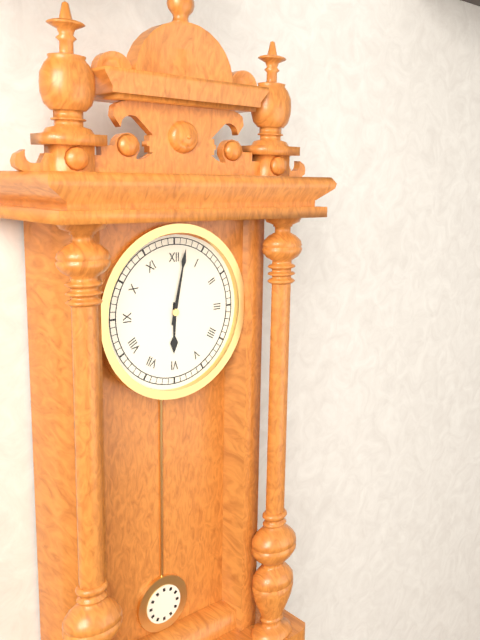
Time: h=6 m=2
